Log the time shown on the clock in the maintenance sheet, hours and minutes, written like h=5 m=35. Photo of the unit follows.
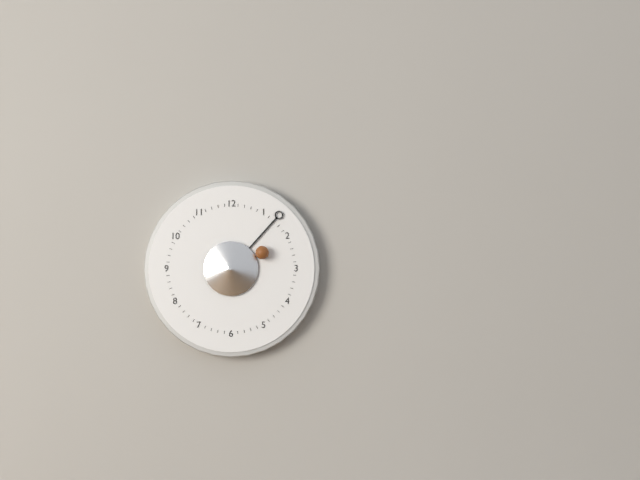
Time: h=2 m=7
